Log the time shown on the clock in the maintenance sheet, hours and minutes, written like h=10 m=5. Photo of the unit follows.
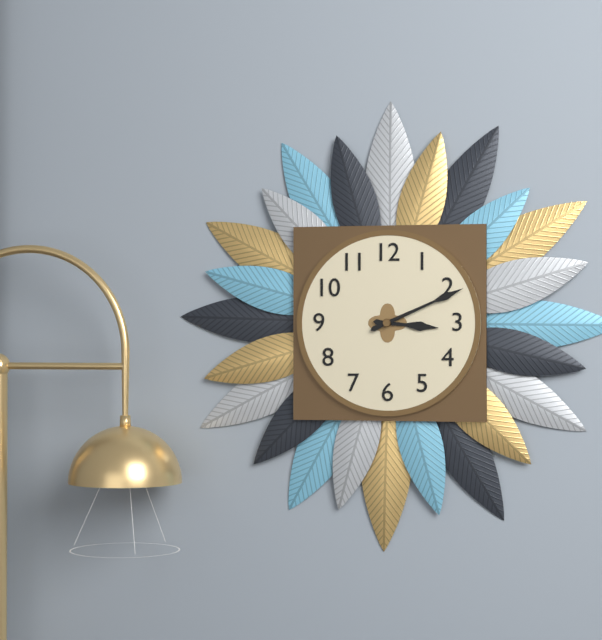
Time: h=3 m=11
